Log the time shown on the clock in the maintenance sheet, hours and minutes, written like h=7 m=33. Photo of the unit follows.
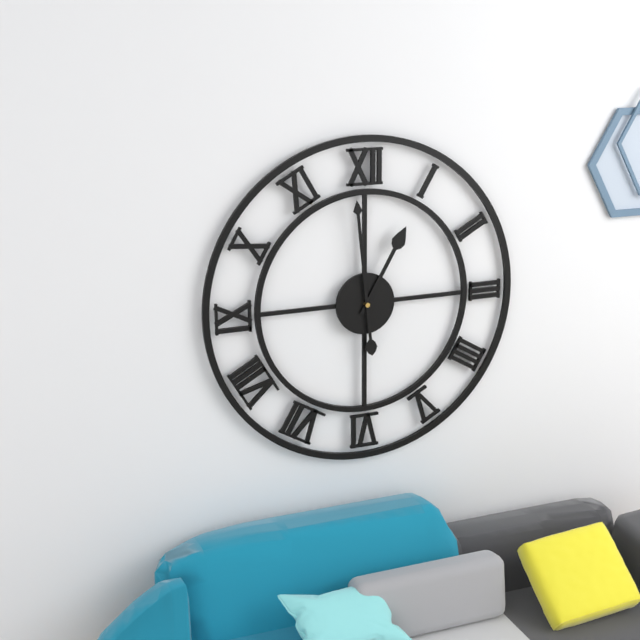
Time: h=12 m=59
